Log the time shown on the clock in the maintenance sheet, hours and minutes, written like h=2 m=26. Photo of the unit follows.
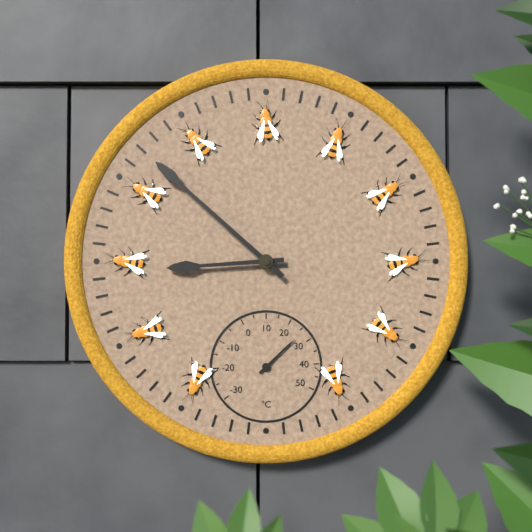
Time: h=8 m=52
